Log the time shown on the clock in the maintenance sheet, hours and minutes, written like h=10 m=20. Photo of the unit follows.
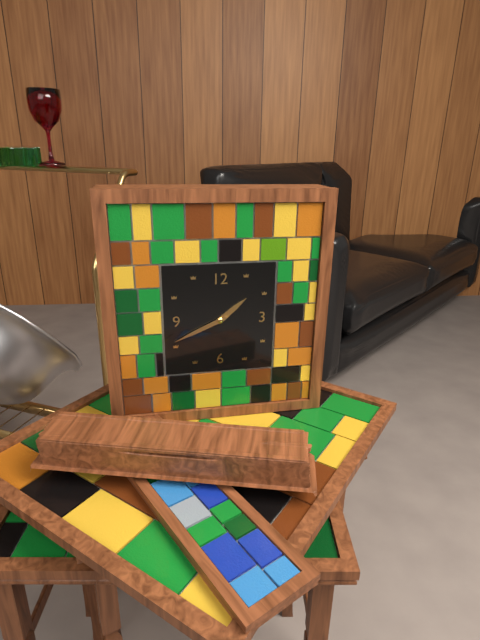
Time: h=1 m=41
